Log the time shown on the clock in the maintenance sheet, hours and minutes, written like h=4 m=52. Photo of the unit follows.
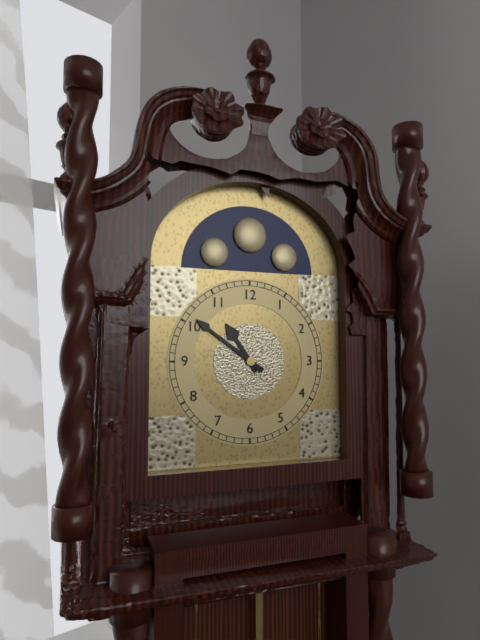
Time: h=10 m=51
